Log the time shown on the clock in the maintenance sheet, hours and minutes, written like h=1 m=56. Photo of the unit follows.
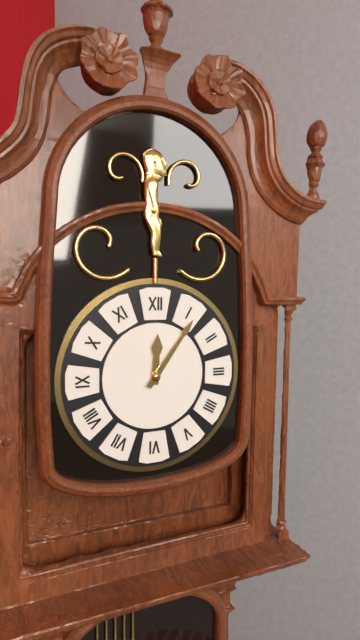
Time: h=12 m=6
